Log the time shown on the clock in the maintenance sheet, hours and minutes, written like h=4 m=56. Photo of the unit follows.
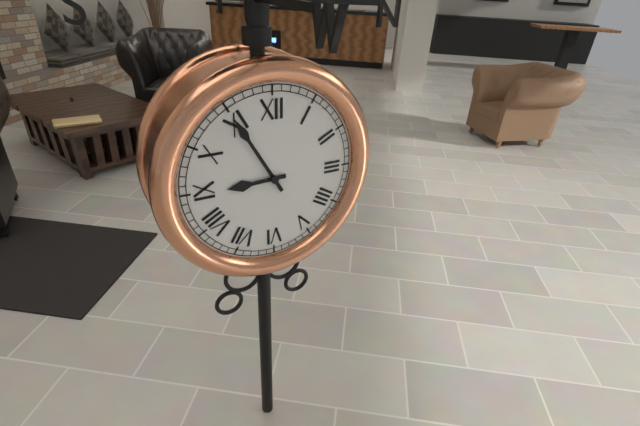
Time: h=8 m=55
